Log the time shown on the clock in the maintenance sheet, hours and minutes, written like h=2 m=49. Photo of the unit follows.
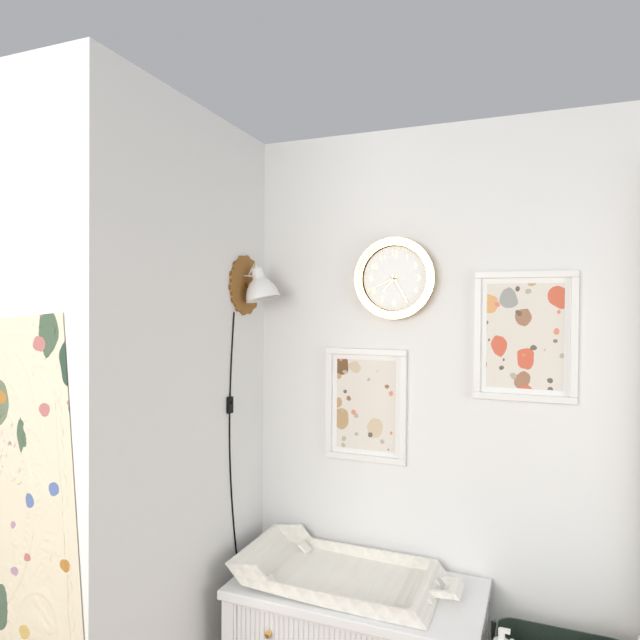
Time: h=7 m=25
